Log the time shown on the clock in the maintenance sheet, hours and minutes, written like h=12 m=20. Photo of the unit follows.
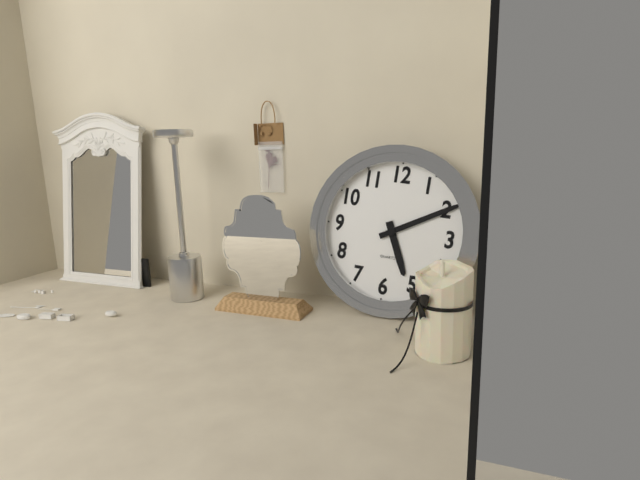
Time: h=5 m=10
